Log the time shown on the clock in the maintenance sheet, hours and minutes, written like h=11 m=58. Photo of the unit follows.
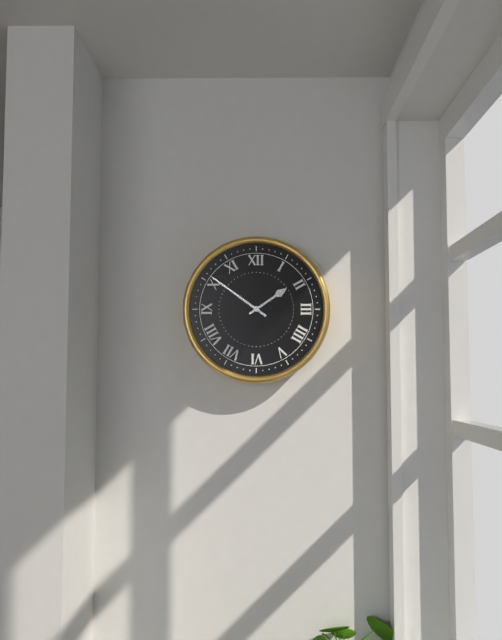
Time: h=1 m=51
